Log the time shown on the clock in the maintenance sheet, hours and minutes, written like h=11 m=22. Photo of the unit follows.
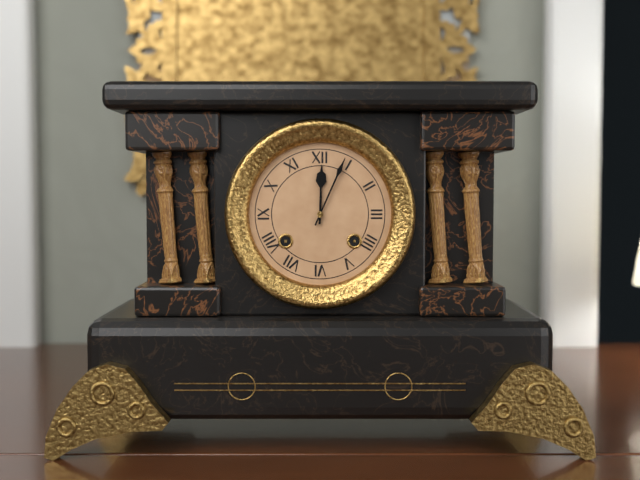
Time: h=12 m=4
